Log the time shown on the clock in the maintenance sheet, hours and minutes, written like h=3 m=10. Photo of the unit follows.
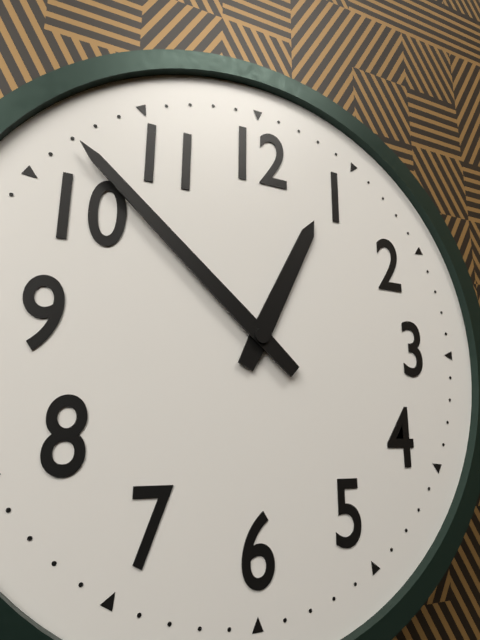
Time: h=12 m=52
